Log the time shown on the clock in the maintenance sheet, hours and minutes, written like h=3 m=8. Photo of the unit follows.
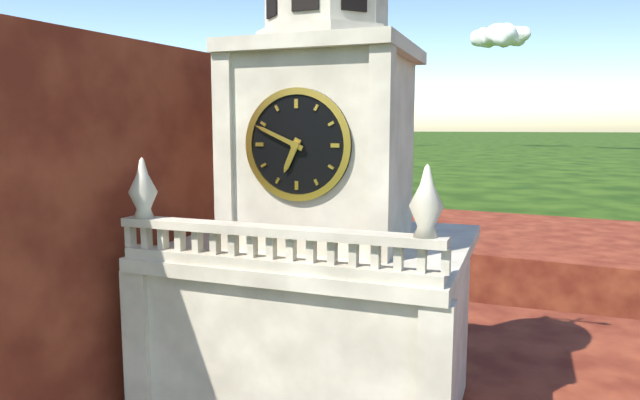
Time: h=6 m=49
